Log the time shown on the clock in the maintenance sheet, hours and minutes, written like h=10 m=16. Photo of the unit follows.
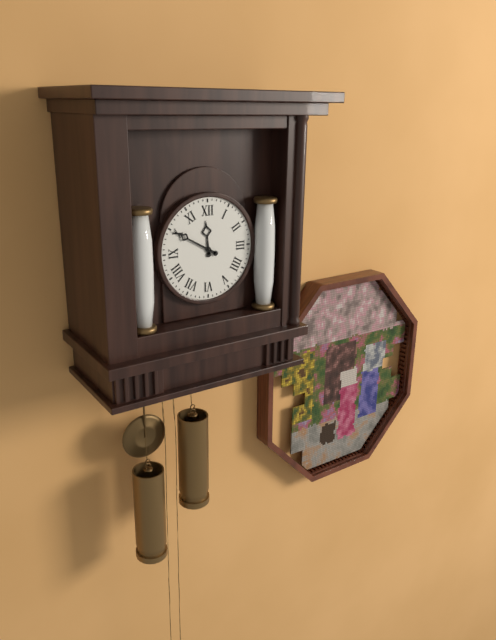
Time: h=11 m=50
